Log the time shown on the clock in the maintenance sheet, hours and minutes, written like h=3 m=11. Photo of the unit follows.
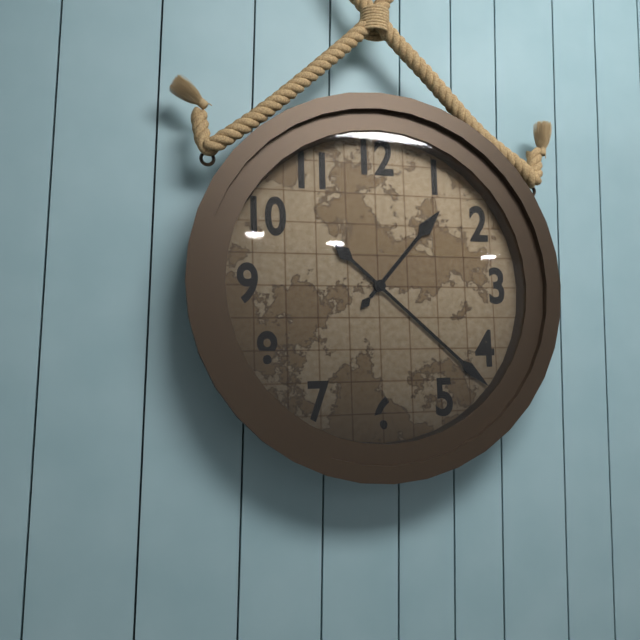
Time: h=1 m=22
